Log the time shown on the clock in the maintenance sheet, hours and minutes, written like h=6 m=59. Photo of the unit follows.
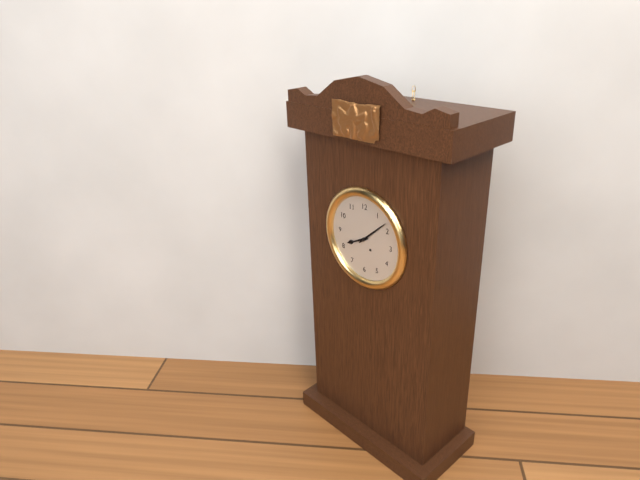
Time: h=8 m=8
